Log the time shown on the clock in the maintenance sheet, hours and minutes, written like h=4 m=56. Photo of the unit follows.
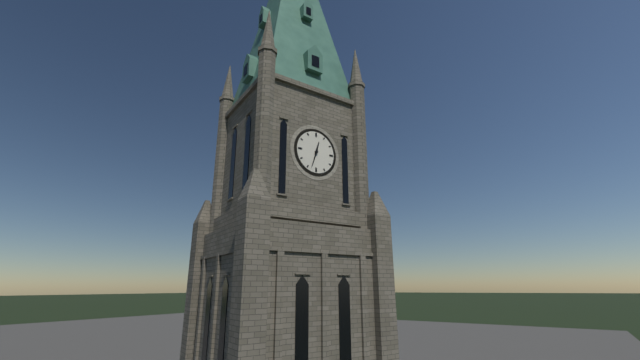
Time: h=12 m=33
